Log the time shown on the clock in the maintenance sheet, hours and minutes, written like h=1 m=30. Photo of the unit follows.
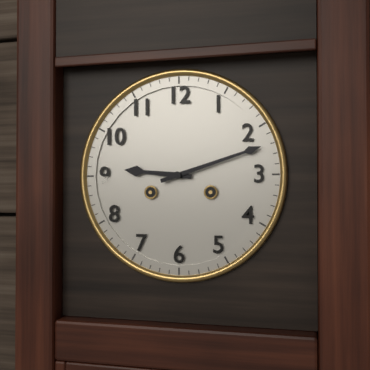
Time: h=9 m=12
